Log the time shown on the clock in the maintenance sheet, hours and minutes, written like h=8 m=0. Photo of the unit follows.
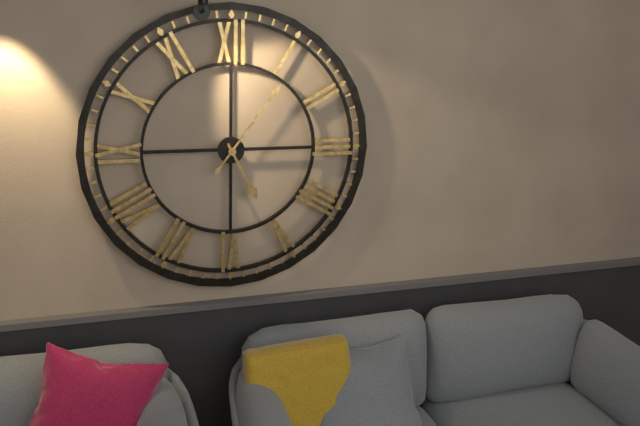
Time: h=5 m=6
